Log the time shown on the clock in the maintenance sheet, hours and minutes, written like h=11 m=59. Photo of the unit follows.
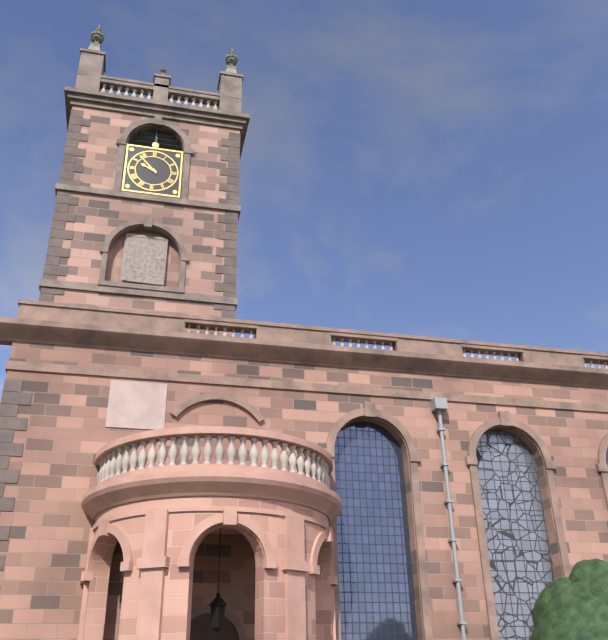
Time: h=9 m=53
